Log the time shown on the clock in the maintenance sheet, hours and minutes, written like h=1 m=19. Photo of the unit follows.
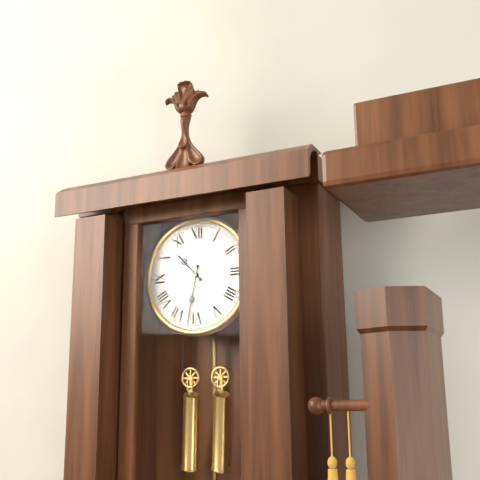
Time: h=10 m=32
